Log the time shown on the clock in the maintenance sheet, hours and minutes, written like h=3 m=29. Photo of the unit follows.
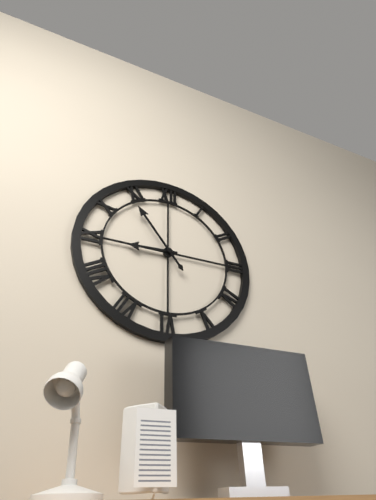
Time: h=8 m=54
